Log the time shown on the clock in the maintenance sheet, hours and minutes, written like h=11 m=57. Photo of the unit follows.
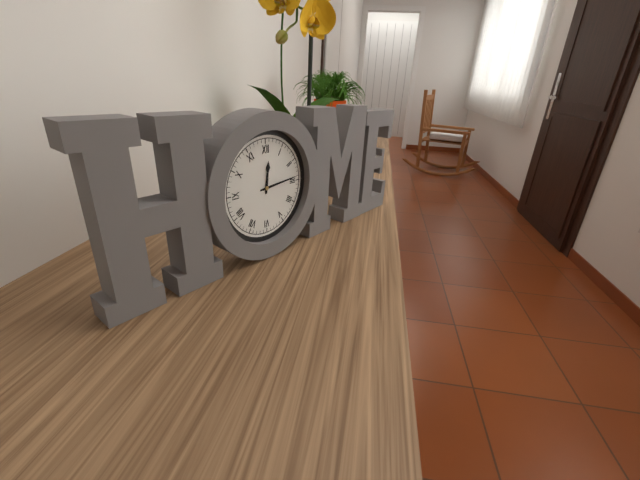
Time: h=12 m=14
